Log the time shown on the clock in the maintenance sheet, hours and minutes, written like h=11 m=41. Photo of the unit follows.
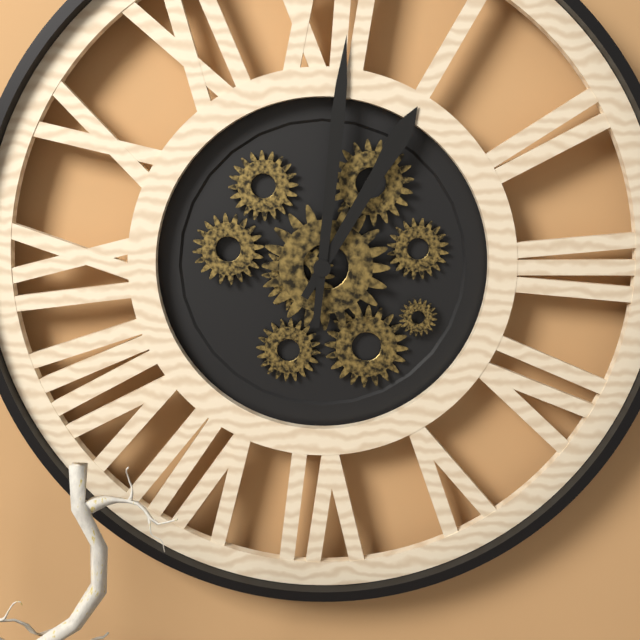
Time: h=1 m=1
